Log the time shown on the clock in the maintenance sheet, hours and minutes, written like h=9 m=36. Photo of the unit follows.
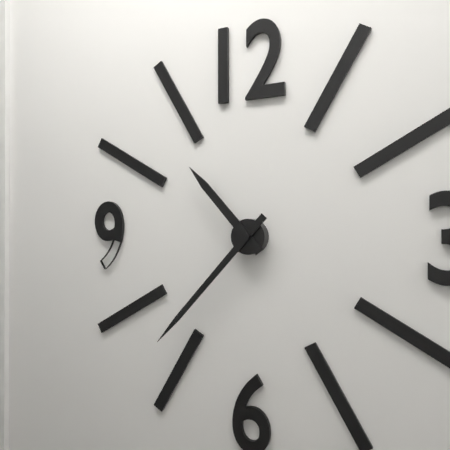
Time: h=10 m=37
